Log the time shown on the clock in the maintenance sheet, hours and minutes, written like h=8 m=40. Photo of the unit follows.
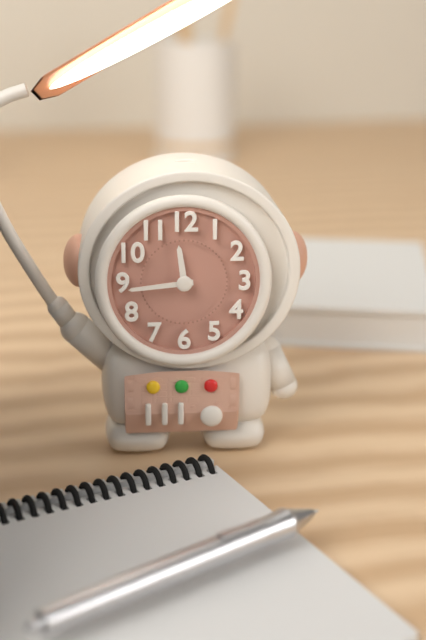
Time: h=11 m=44
